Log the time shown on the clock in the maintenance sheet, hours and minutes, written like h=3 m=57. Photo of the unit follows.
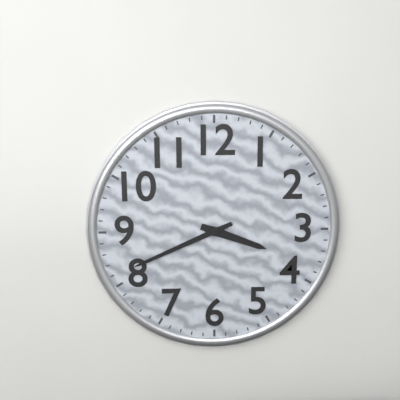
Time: h=3 m=41
